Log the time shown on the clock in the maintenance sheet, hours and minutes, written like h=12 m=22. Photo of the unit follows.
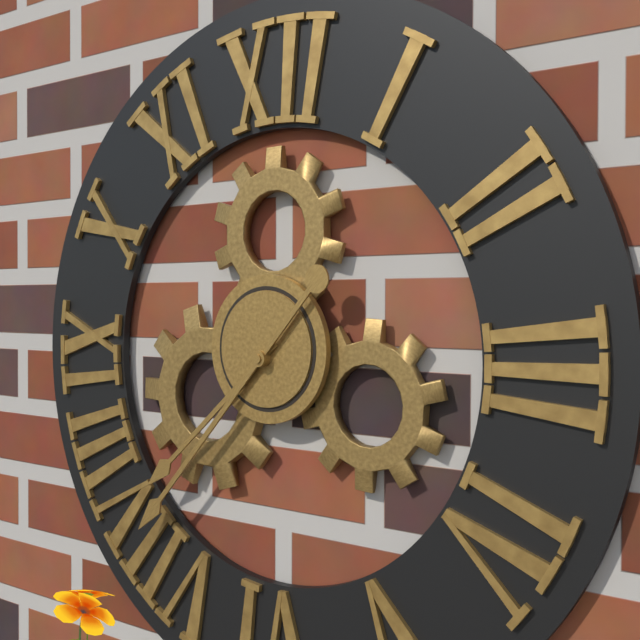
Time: h=7 m=37
